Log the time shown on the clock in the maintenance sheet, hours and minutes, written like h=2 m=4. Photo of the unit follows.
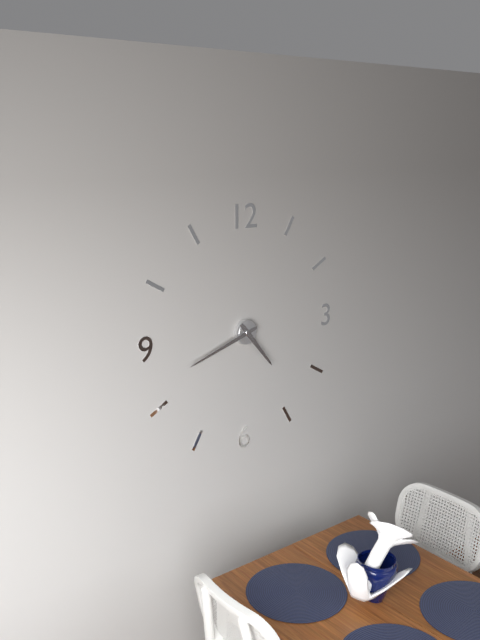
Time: h=4 m=42
